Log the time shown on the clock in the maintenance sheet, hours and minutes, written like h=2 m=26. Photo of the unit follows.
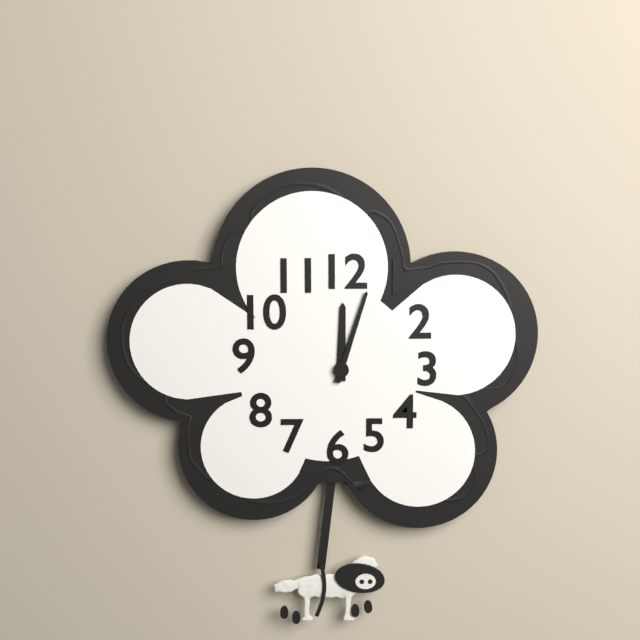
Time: h=12 m=3
